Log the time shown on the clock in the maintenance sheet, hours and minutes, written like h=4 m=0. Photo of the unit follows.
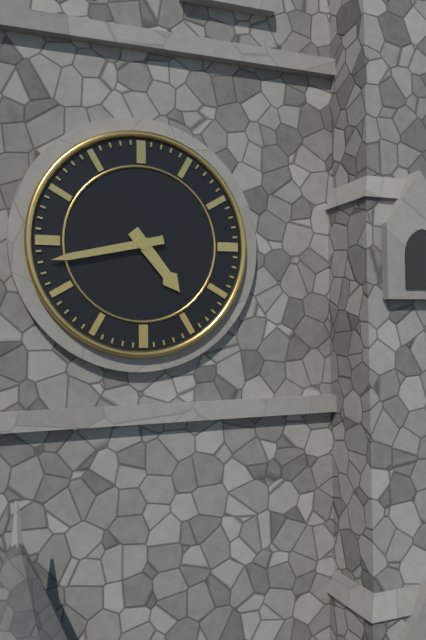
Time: h=4 m=43
